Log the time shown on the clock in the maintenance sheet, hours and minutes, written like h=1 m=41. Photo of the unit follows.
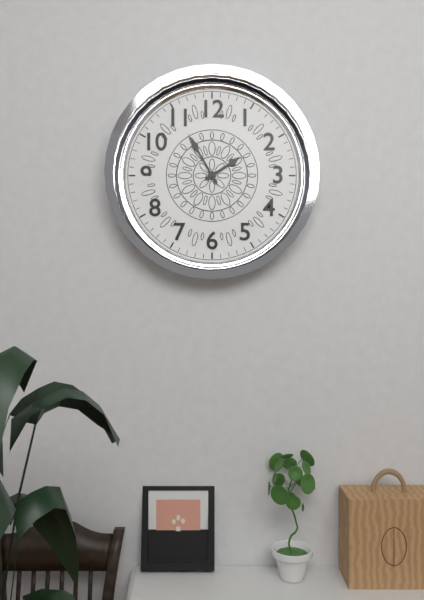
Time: h=1 m=55
